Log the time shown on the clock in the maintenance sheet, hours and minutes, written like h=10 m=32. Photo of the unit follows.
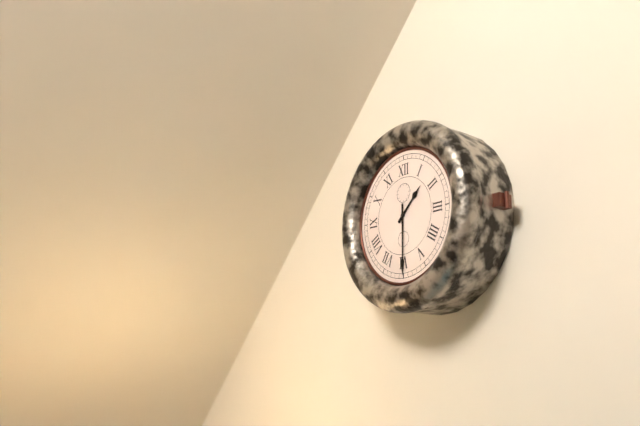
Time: h=1 m=30
